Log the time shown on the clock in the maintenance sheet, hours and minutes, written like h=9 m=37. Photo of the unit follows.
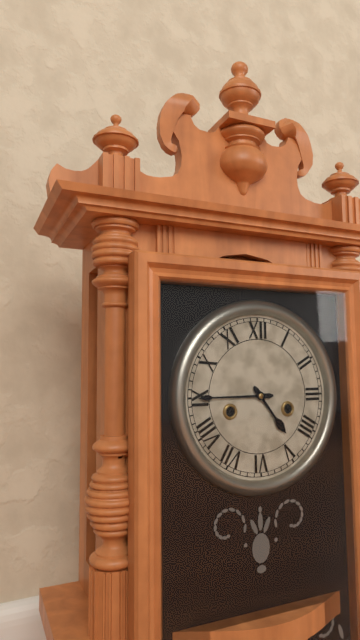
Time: h=4 m=45
